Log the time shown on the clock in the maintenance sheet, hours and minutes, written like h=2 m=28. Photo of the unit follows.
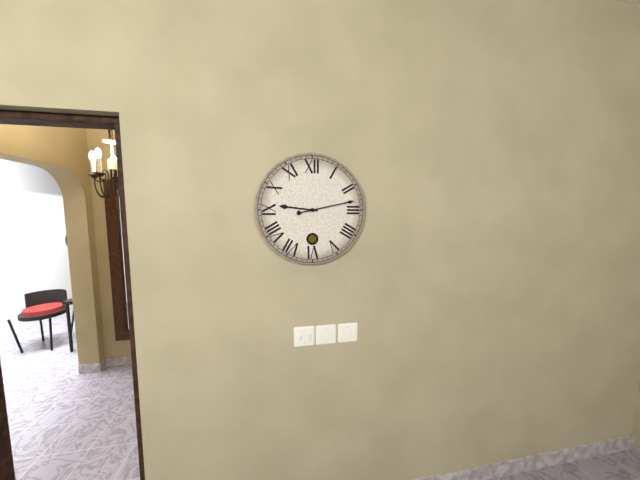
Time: h=9 m=13
